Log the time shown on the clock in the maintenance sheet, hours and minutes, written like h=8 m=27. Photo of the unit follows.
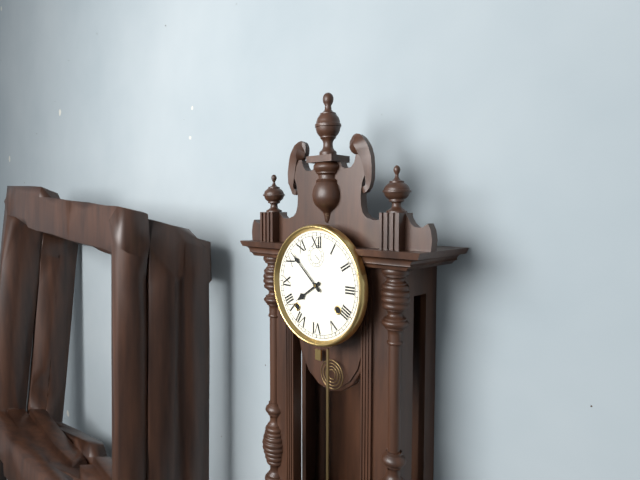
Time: h=7 m=52
